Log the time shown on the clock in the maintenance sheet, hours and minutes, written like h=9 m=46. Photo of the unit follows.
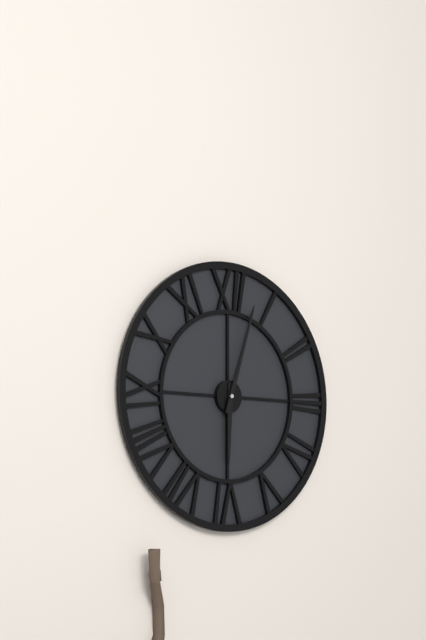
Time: h=6 m=3
